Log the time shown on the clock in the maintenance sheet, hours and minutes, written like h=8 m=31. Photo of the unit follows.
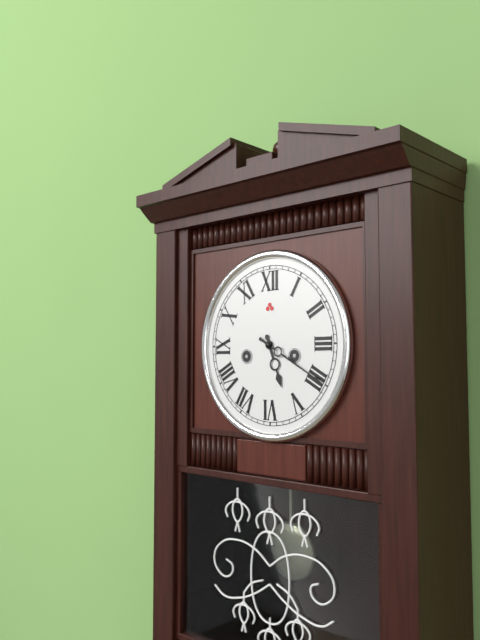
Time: h=5 m=20
